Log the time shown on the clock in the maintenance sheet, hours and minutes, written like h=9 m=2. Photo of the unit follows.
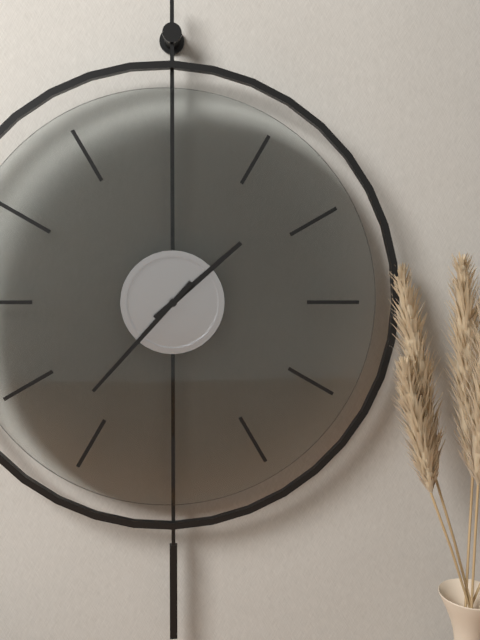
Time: h=1 m=37
